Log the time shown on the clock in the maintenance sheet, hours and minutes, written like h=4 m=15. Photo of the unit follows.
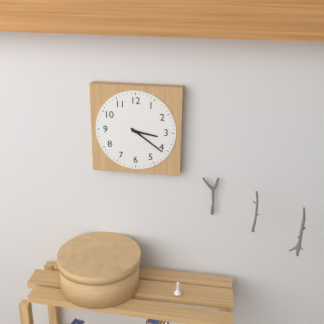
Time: h=3 m=21
